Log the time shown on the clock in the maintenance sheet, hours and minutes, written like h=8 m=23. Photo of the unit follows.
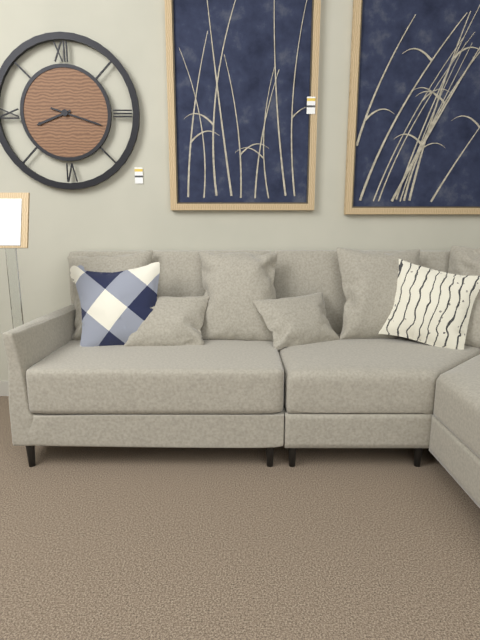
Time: h=8 m=18
